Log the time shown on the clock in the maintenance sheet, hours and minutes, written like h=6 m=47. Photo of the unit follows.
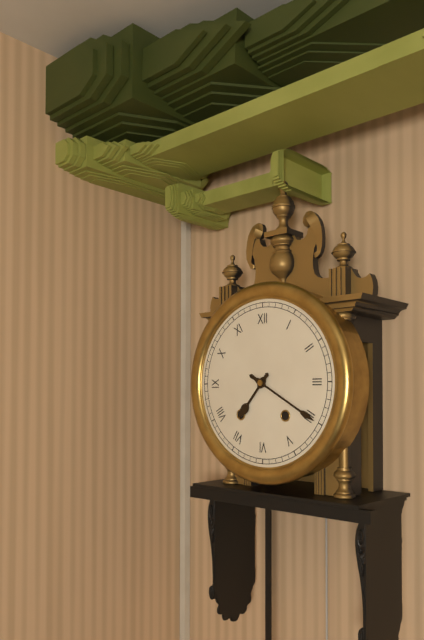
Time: h=7 m=20
